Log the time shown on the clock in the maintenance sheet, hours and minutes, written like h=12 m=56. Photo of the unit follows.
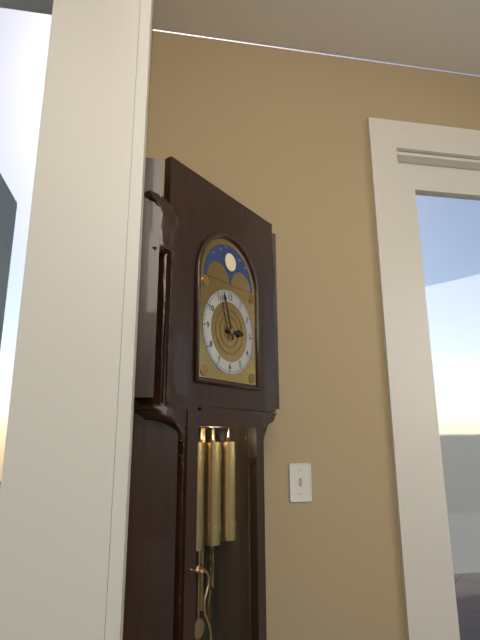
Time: h=2 m=57
